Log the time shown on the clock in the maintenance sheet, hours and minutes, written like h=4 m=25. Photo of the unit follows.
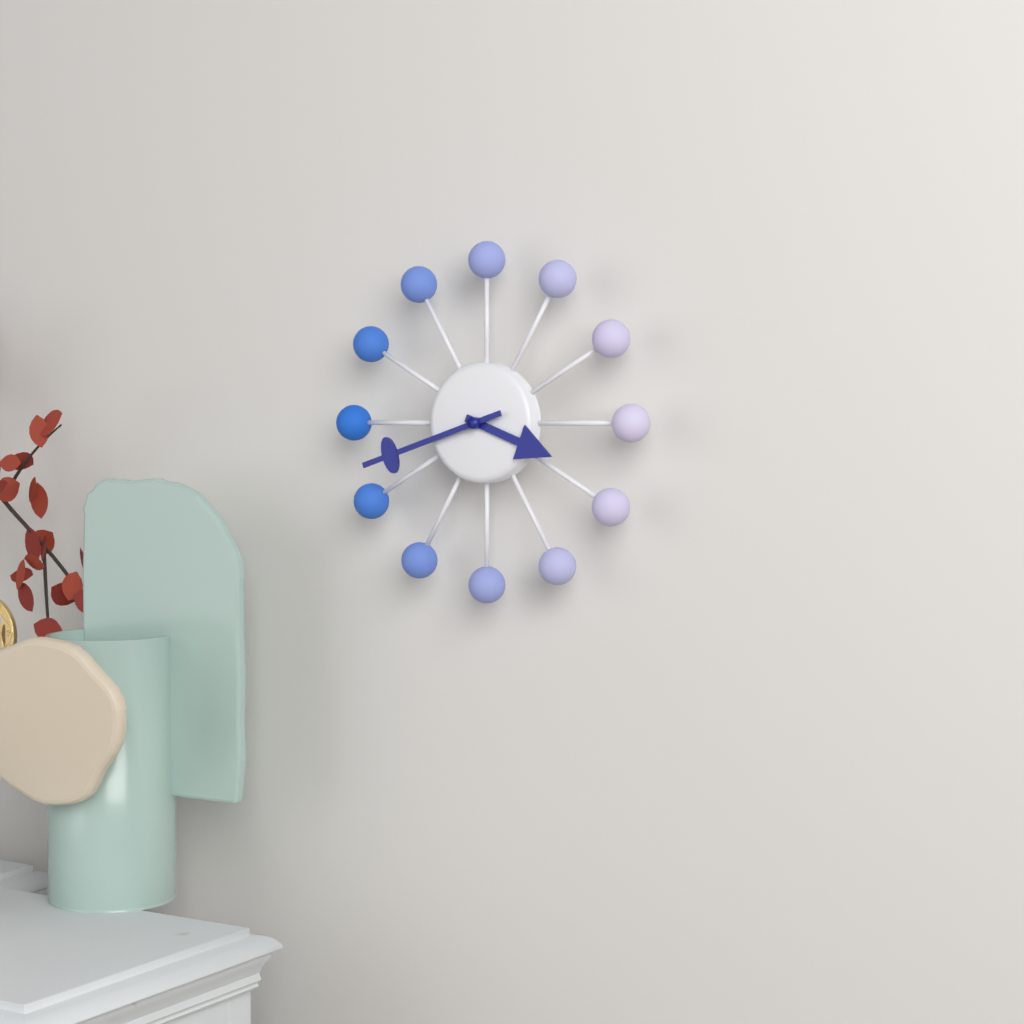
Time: h=3 m=42
